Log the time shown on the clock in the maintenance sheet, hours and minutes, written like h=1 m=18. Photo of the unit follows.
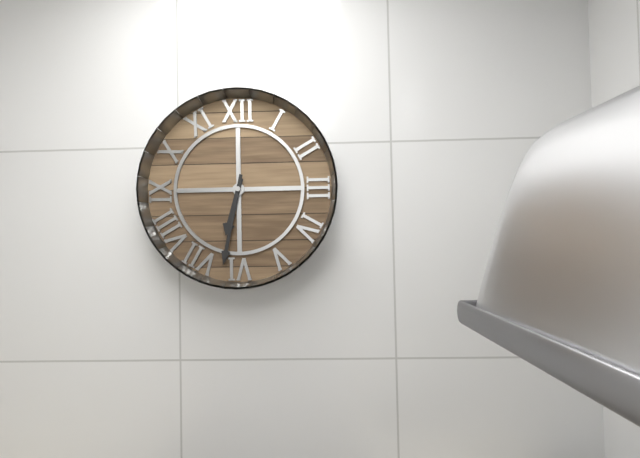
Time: h=6 m=32
